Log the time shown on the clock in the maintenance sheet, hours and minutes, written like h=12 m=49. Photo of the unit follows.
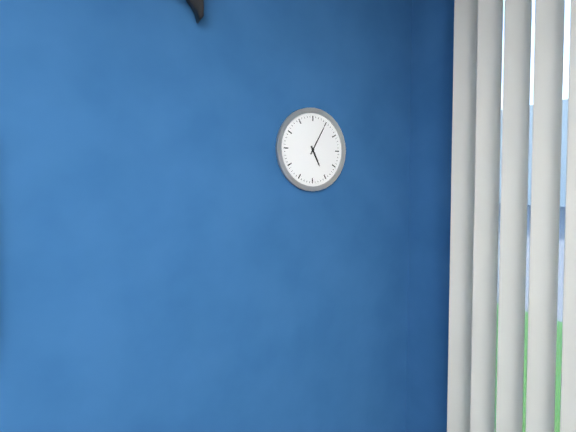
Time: h=5 m=5
